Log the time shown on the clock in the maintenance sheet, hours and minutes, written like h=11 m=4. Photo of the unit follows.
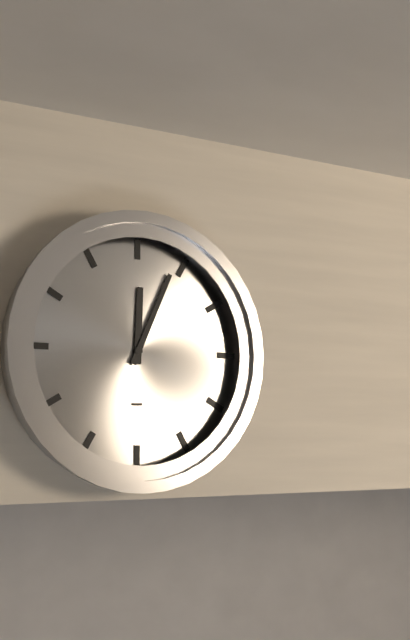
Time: h=12 m=4
